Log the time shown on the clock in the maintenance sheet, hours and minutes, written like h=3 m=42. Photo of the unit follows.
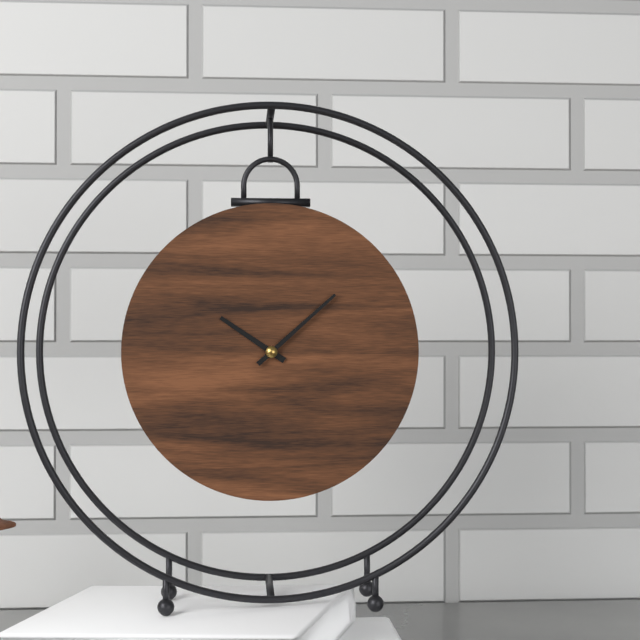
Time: h=10 m=8
